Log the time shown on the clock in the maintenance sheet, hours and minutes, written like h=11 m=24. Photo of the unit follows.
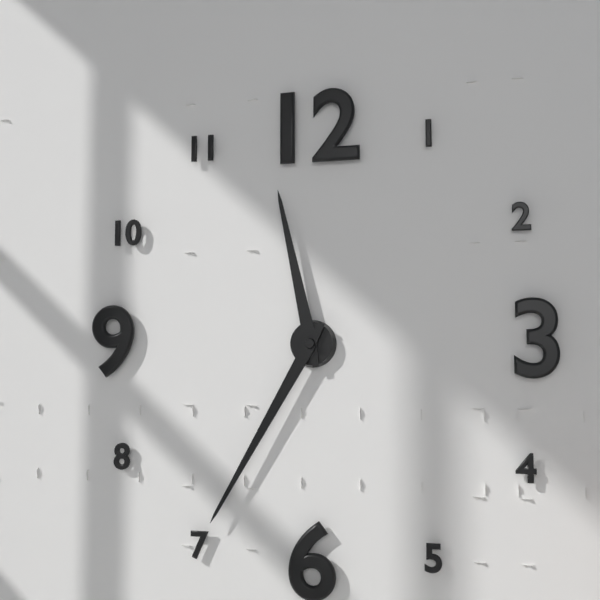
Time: h=11 m=35
